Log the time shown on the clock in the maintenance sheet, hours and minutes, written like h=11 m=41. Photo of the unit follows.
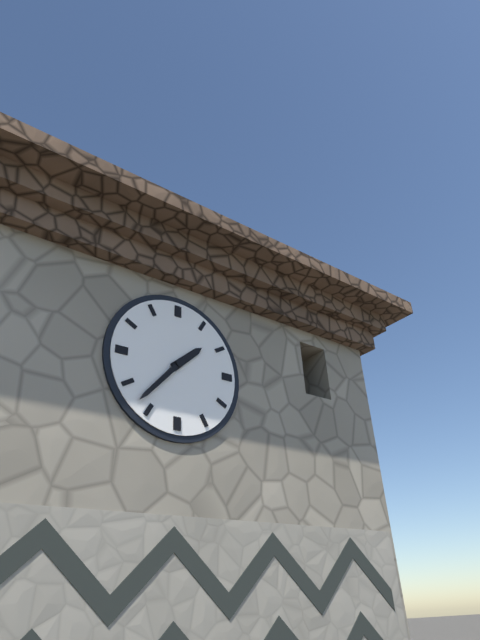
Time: h=1 m=37
